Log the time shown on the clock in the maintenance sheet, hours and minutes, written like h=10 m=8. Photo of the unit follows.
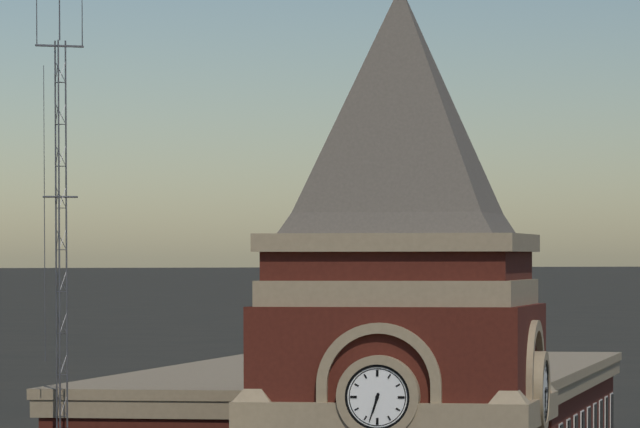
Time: h=6 m=33
